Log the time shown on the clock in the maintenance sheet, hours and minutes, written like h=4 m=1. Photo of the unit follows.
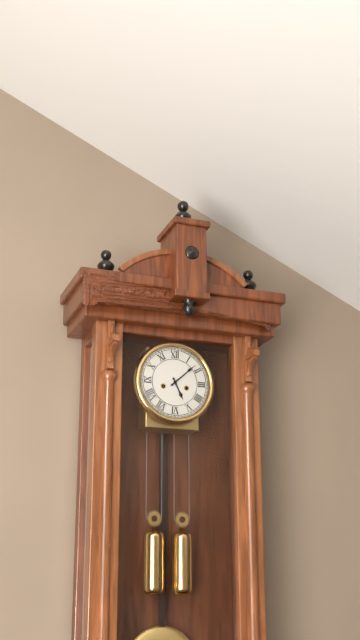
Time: h=5 m=8
